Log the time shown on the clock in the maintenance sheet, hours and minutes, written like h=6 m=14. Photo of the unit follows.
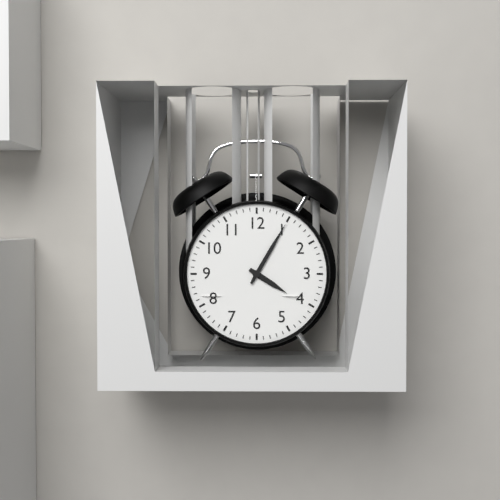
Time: h=4 m=5
